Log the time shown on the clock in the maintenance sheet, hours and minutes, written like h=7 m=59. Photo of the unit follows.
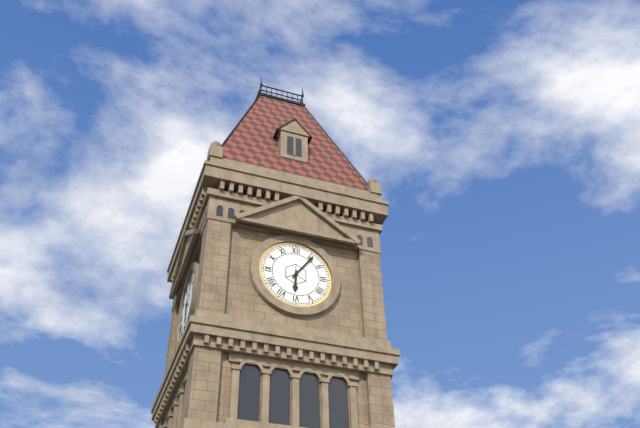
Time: h=6 m=6
